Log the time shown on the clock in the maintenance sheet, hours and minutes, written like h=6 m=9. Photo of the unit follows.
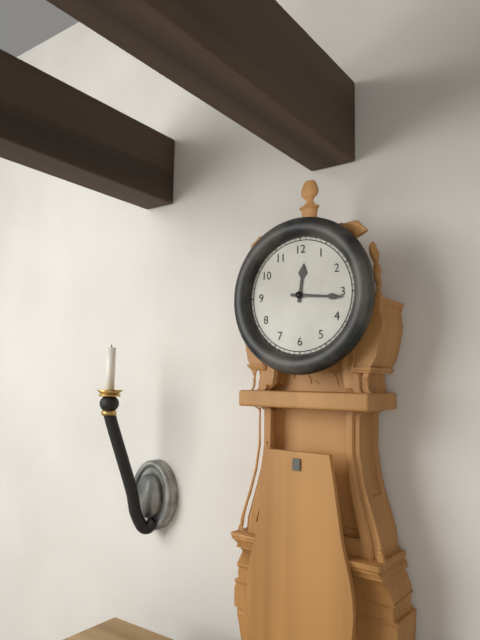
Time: h=12 m=16
